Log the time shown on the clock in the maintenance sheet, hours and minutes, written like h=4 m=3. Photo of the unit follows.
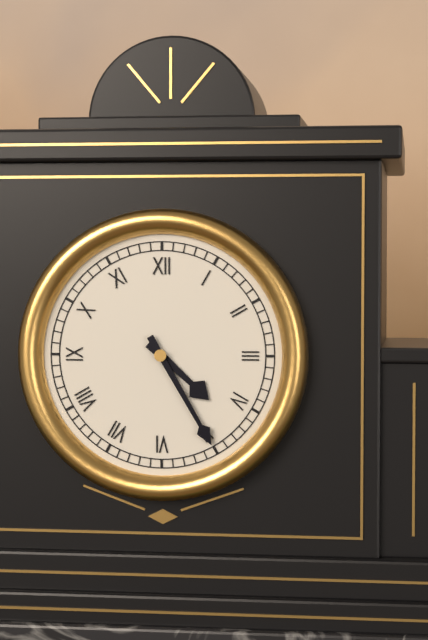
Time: h=4 m=25
